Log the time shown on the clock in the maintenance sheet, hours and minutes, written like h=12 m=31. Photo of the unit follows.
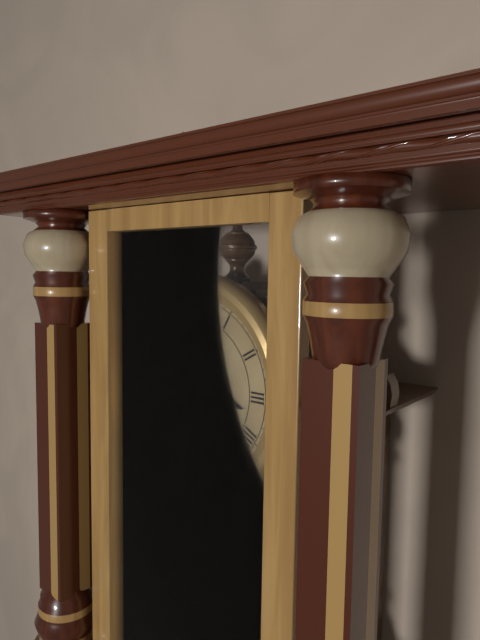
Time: h=3 m=24
